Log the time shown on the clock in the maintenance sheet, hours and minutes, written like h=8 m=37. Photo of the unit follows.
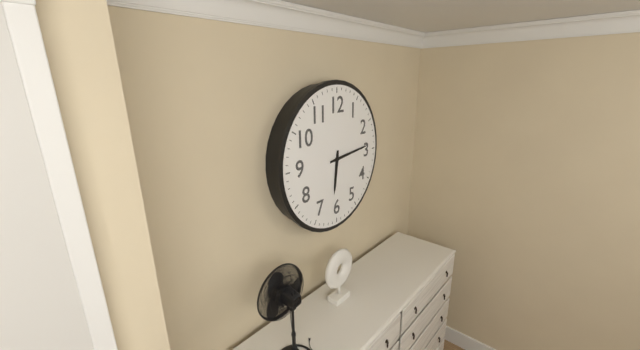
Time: h=6 m=14
